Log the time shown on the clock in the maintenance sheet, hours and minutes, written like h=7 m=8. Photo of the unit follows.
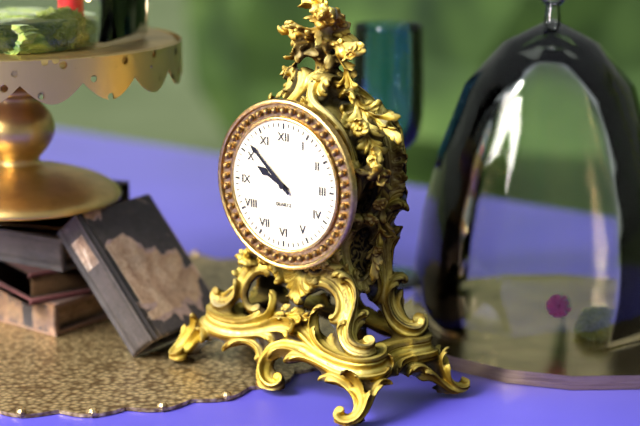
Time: h=9 m=52
